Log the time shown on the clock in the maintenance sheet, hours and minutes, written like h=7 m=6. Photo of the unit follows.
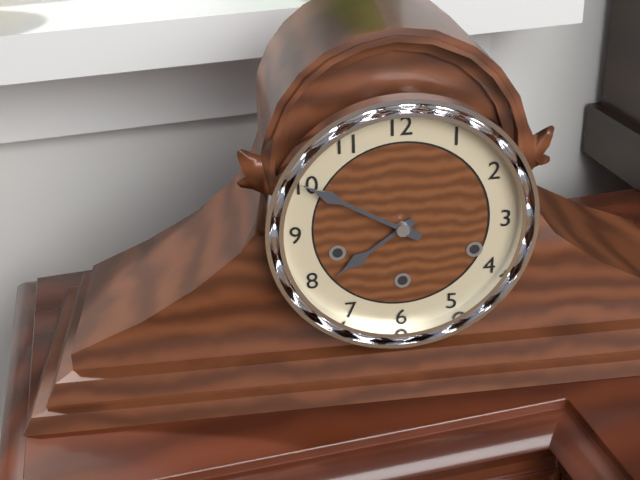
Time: h=7 m=50
